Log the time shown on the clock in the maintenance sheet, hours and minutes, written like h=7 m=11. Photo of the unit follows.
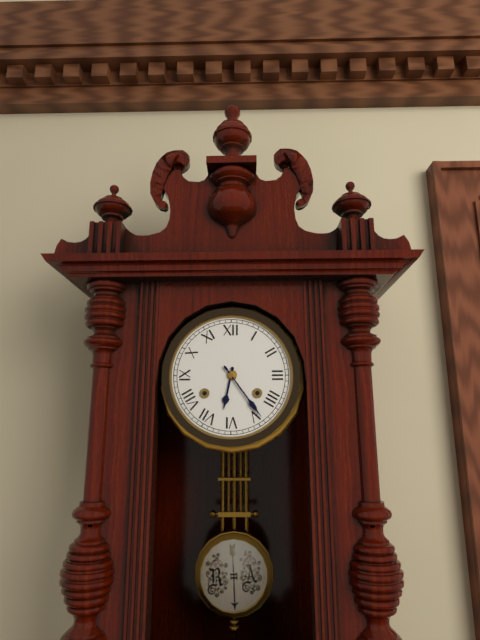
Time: h=6 m=24
